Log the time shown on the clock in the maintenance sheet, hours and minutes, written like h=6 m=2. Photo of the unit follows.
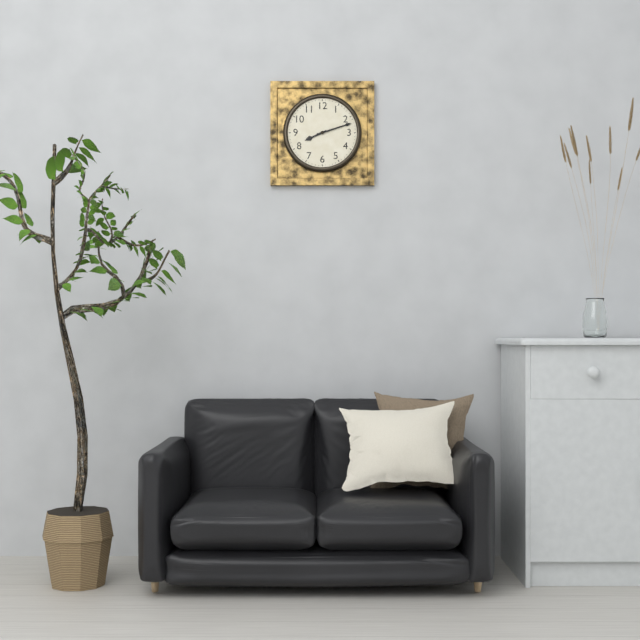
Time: h=8 m=12
